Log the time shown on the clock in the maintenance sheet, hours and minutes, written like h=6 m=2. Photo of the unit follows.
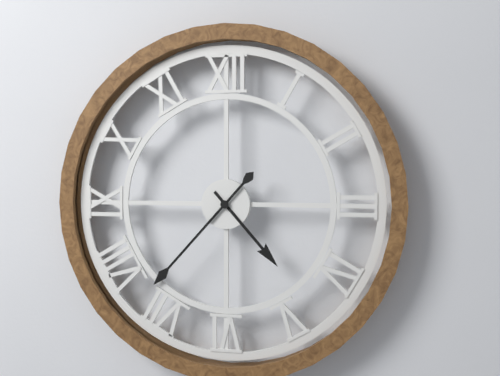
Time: h=4 m=37
